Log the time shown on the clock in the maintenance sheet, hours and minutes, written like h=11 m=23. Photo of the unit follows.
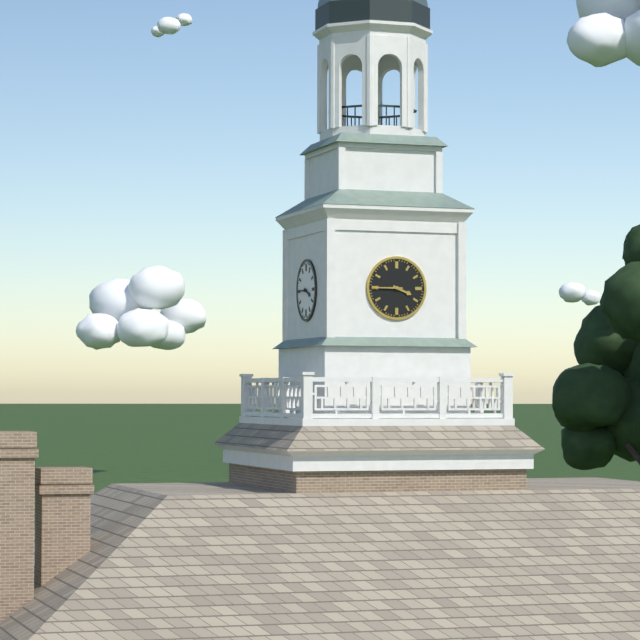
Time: h=3 m=45
